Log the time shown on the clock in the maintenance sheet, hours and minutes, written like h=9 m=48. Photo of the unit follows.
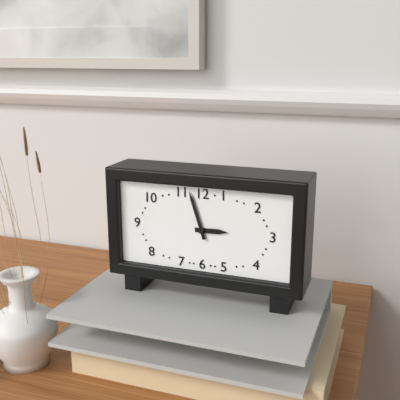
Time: h=2 m=57
